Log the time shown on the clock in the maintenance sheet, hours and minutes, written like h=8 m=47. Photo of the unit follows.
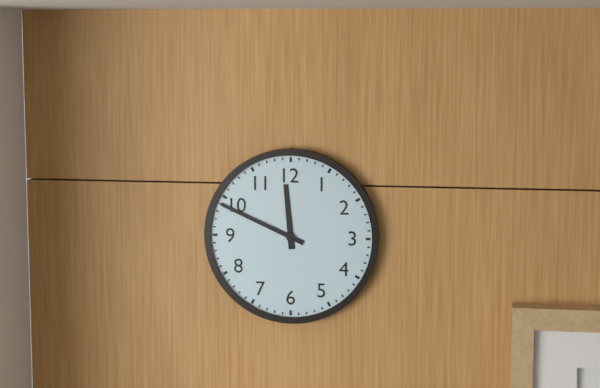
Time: h=11 m=49
